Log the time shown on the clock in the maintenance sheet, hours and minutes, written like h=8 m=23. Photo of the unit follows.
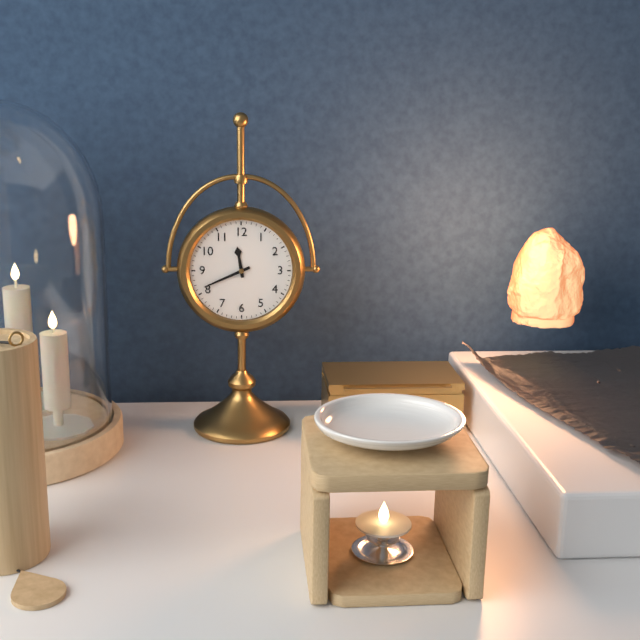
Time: h=11 m=41
